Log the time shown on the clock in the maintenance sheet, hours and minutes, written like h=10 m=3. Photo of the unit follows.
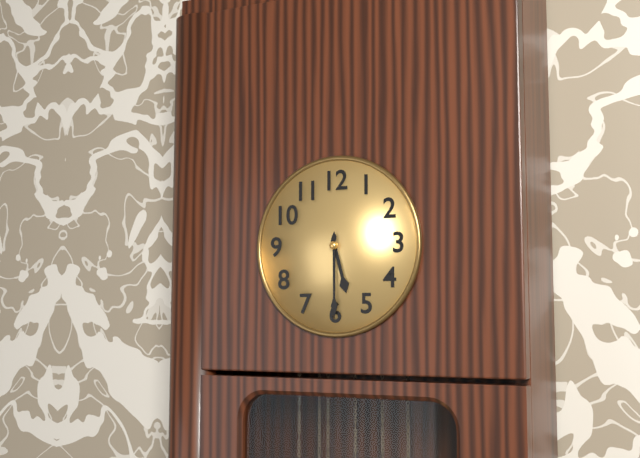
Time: h=5 m=30
